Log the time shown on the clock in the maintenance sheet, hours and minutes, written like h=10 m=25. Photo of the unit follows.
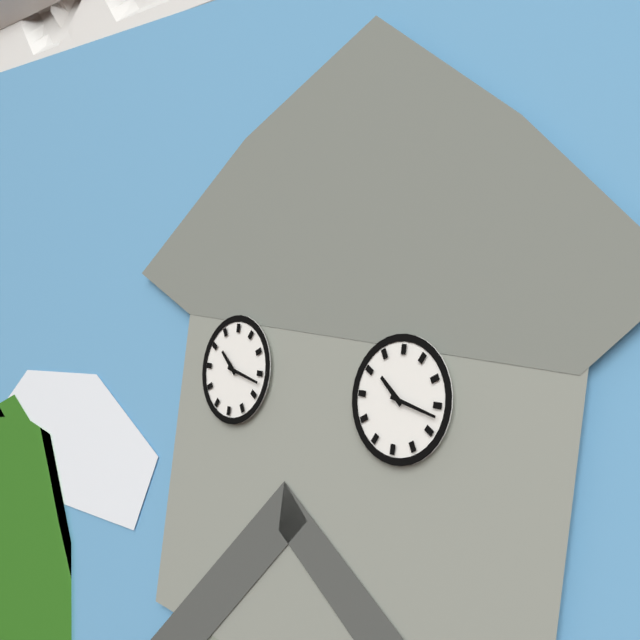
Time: h=10 m=17
